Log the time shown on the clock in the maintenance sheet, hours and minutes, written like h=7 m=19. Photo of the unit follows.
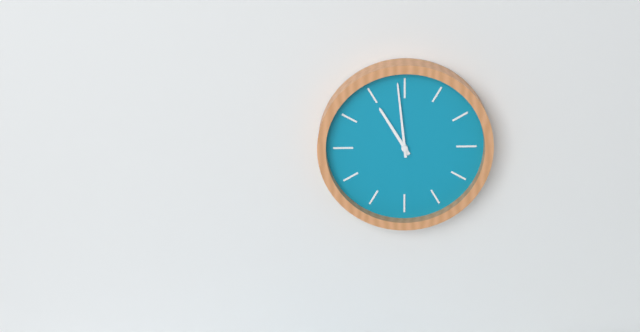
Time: h=10 m=59
